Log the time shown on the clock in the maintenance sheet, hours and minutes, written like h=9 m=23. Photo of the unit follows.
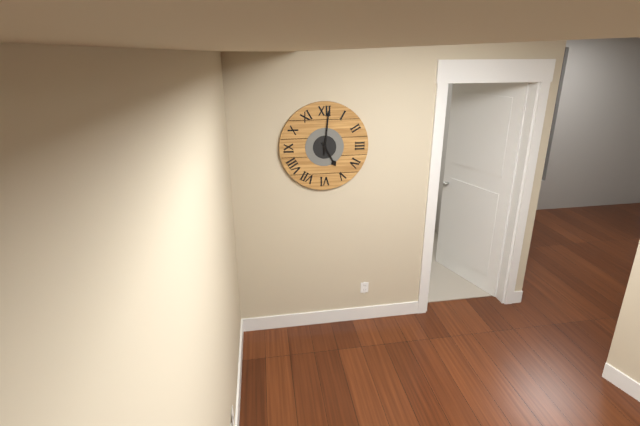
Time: h=5 m=1
